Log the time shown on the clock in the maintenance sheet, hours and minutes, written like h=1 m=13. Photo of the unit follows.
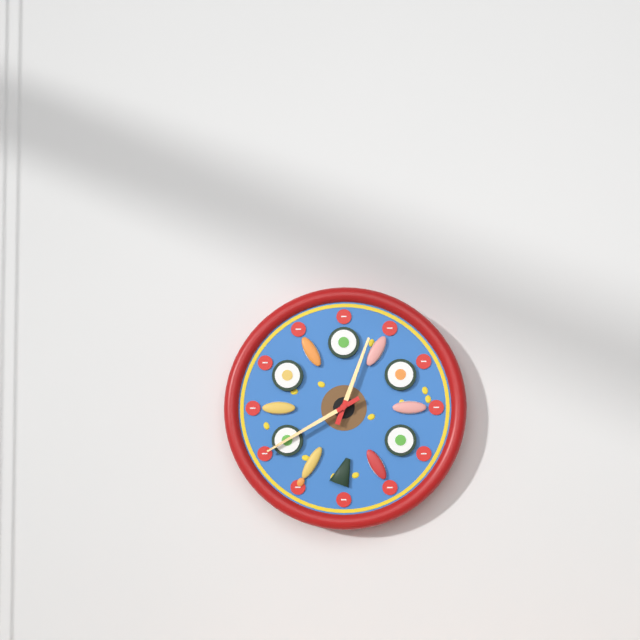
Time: h=12 m=40
